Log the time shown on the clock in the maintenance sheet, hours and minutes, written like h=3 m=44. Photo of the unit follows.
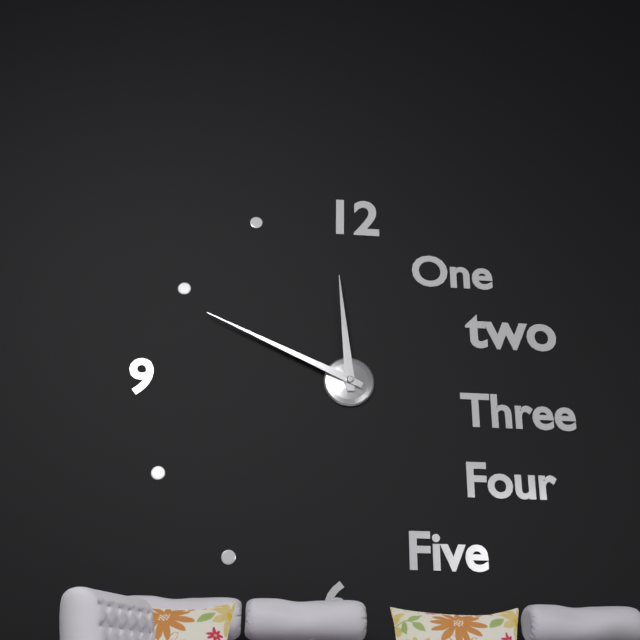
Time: h=11 m=49
